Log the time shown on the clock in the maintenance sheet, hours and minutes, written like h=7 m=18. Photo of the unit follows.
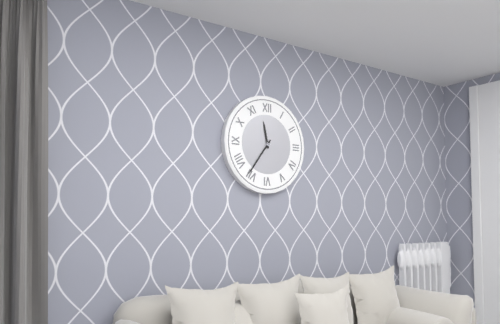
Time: h=11 m=36
